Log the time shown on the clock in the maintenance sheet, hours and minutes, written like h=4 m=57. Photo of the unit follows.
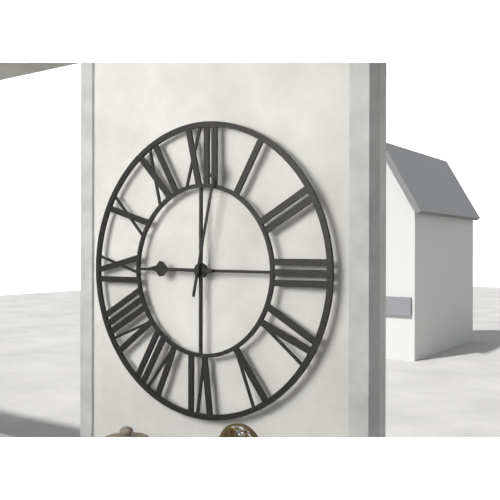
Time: h=9 m=2
